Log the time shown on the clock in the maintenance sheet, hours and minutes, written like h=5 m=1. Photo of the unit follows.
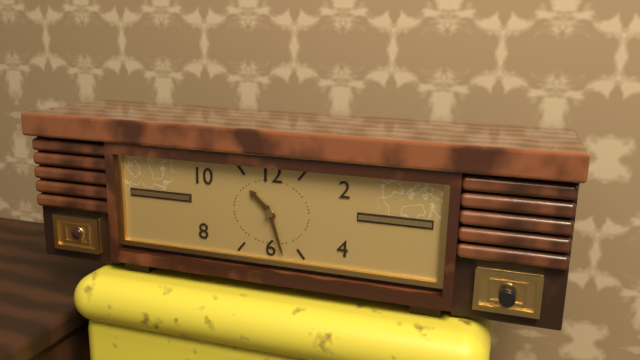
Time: h=10 m=27
